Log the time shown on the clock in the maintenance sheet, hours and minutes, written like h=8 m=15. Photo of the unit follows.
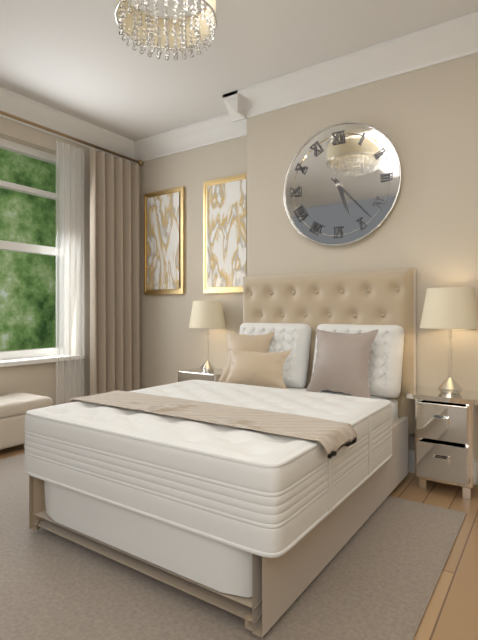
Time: h=5 m=23
